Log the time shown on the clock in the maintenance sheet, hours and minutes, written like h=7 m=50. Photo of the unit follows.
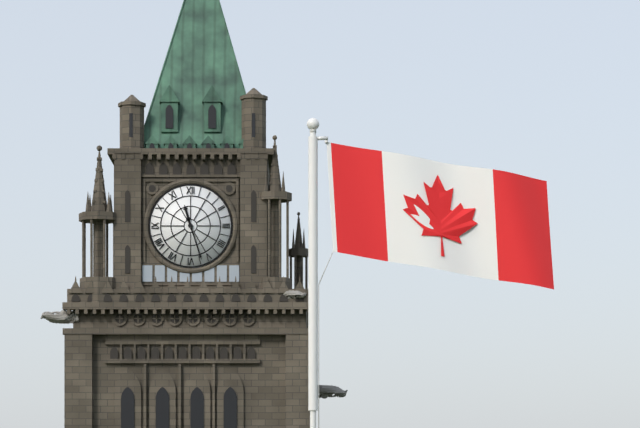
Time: h=11 m=27
